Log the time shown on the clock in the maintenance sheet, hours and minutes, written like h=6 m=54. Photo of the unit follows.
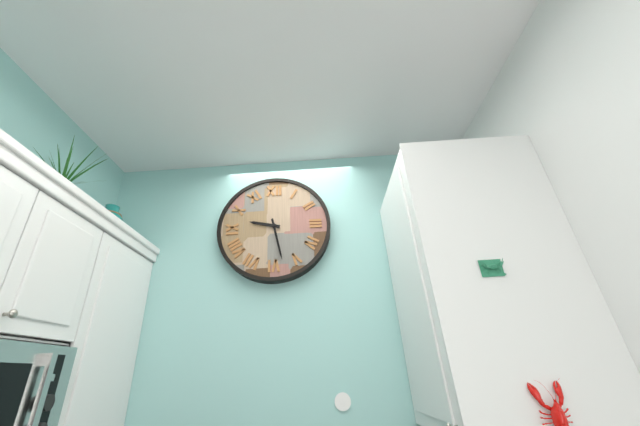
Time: h=9 m=28
